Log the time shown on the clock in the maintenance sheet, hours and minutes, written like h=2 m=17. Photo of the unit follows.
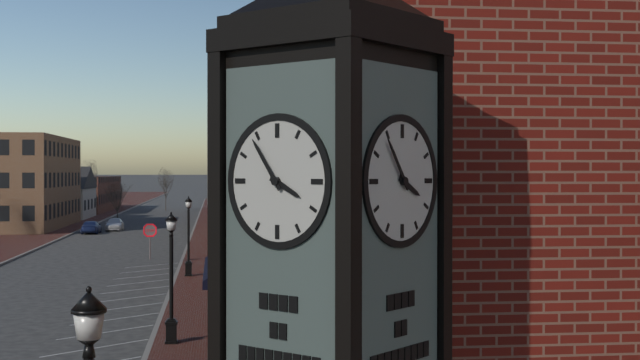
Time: h=3 m=54
